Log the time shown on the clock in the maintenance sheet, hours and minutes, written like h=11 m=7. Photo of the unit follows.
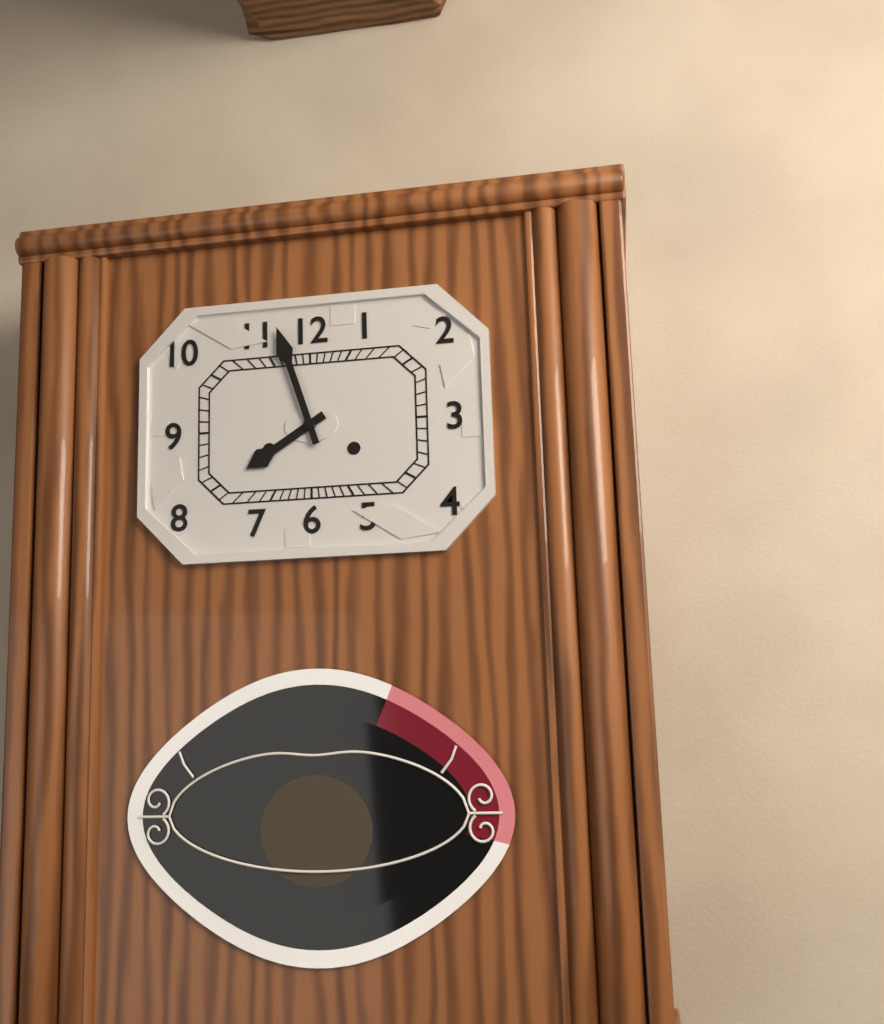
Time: h=7 m=57
